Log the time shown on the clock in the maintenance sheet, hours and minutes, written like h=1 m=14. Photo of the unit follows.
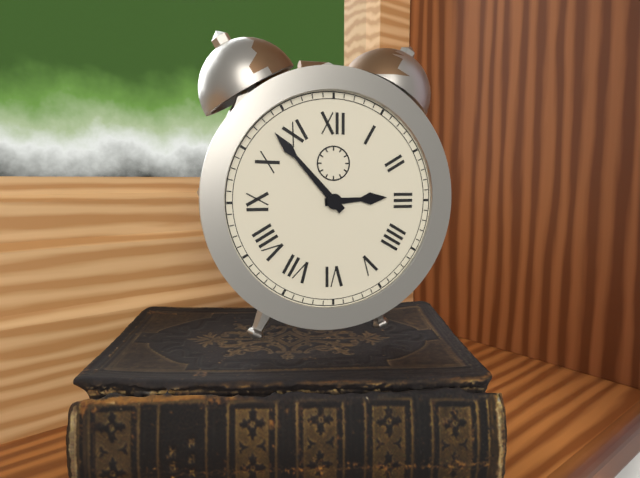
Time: h=2 m=53
